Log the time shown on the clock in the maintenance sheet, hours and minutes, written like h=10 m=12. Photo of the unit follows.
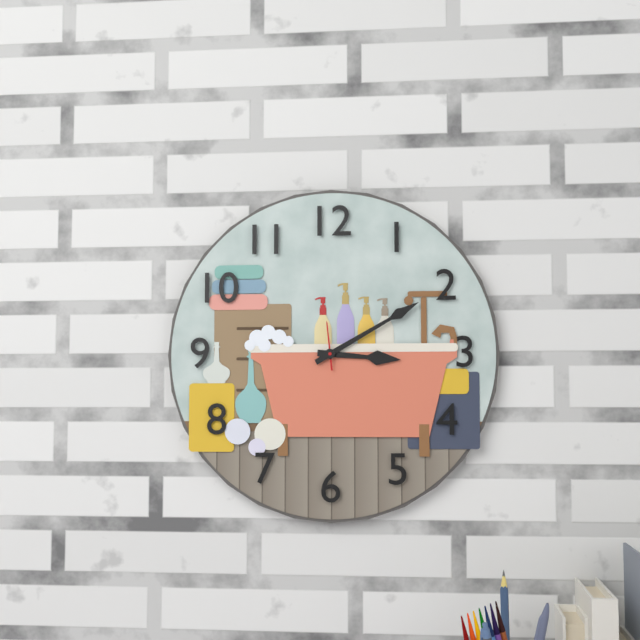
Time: h=3 m=10
